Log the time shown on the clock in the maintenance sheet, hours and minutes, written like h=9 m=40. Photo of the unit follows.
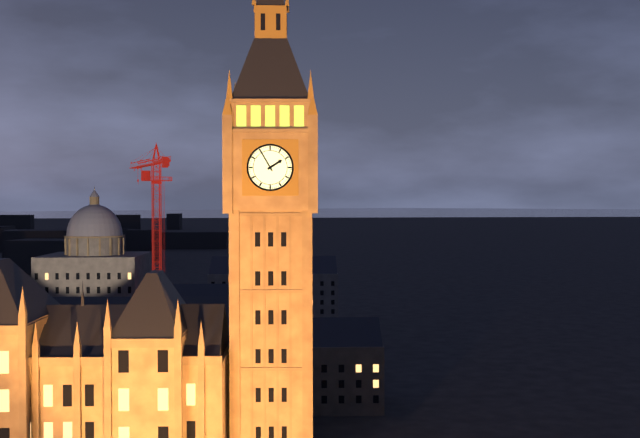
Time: h=1 m=55
